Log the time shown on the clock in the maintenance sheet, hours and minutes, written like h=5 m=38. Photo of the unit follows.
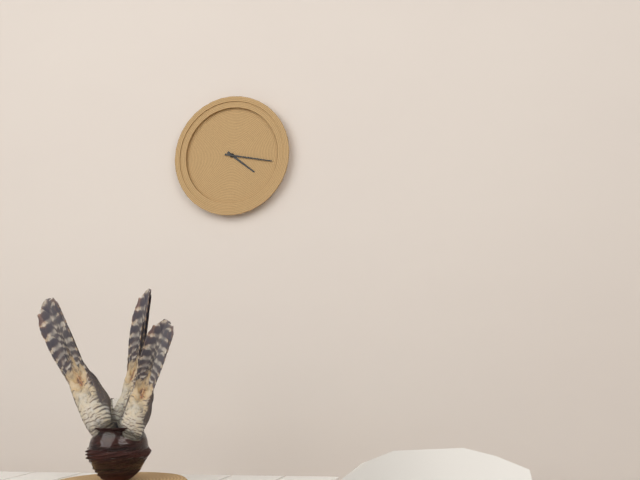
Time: h=4 m=17
